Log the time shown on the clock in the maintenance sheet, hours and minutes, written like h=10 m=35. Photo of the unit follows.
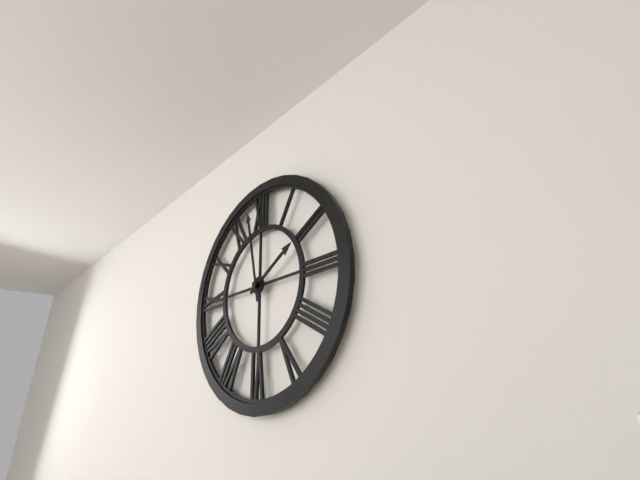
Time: h=1 m=58
